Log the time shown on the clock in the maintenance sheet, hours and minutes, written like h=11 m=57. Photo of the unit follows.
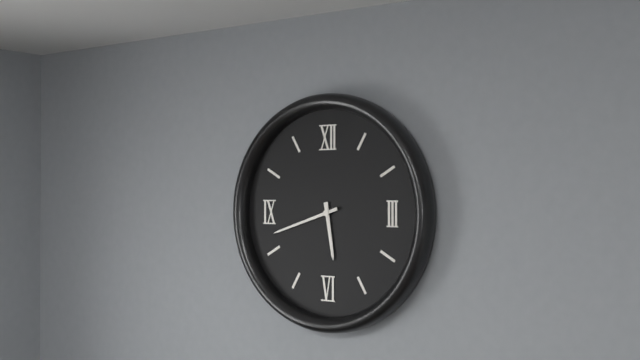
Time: h=5 m=42
